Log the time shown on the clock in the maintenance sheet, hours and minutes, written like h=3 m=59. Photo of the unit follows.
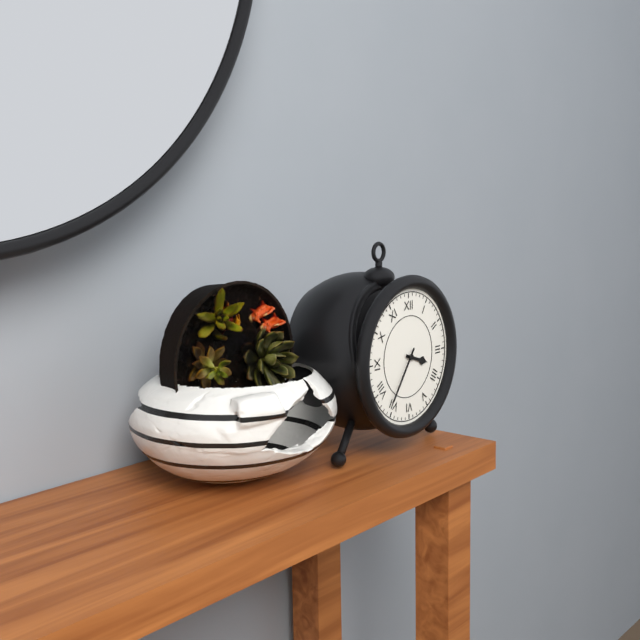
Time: h=3 m=36
